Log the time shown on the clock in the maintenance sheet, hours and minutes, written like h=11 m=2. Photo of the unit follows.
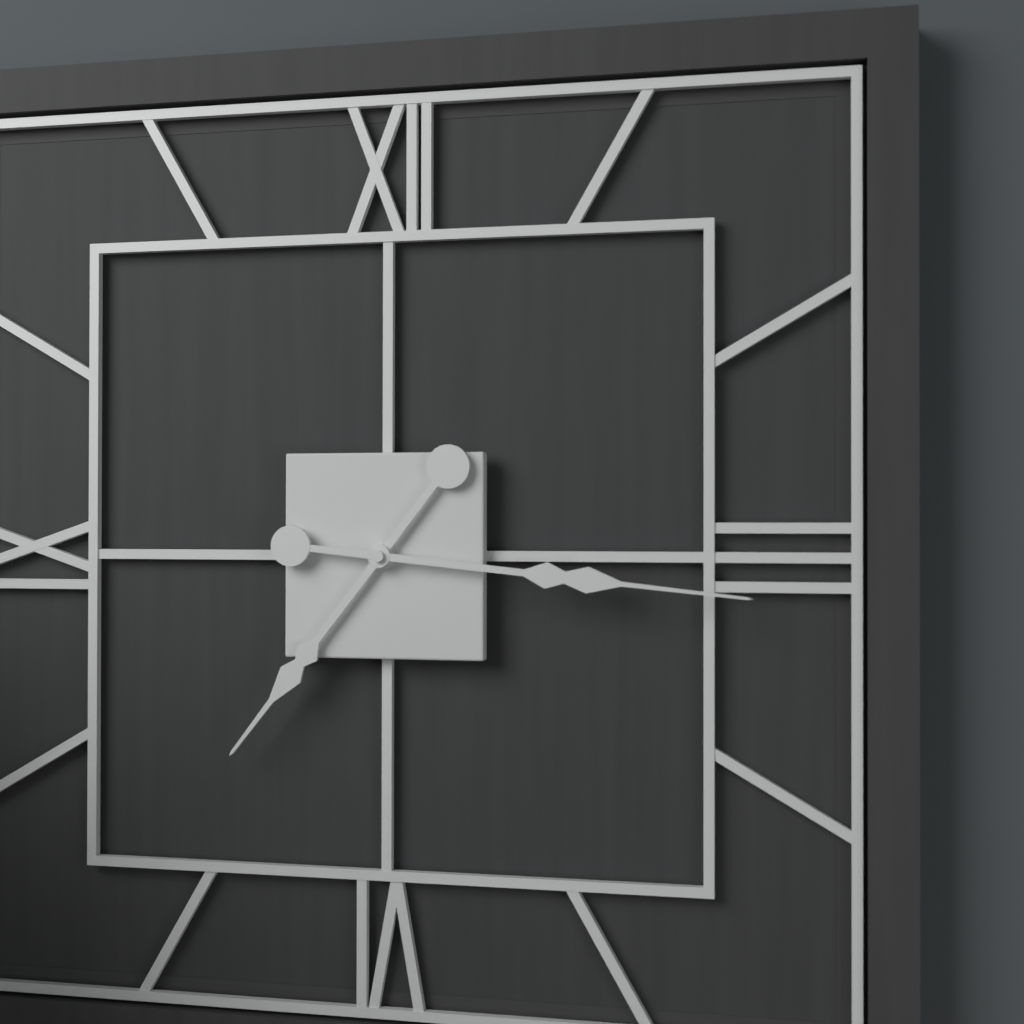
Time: h=7 m=16
